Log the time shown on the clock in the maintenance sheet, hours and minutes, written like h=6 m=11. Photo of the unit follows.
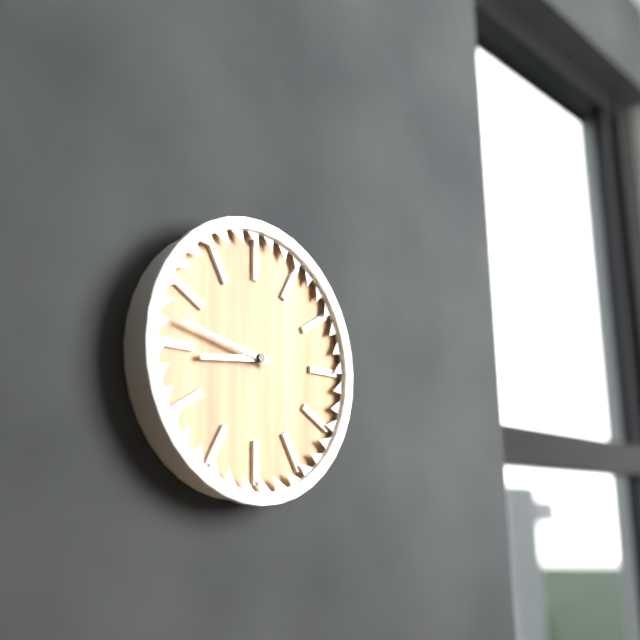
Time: h=8 m=47
